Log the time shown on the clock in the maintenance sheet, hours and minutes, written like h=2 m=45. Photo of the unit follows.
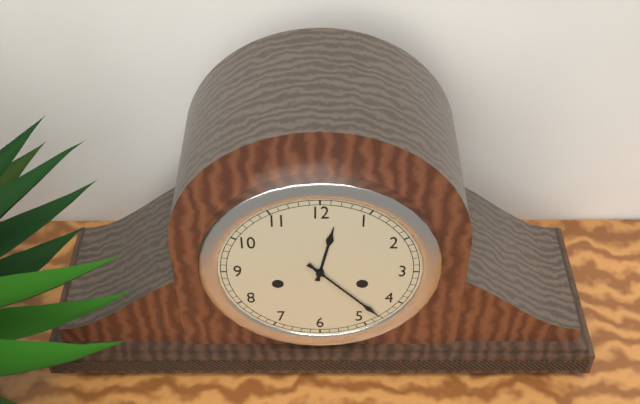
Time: h=12 m=23
